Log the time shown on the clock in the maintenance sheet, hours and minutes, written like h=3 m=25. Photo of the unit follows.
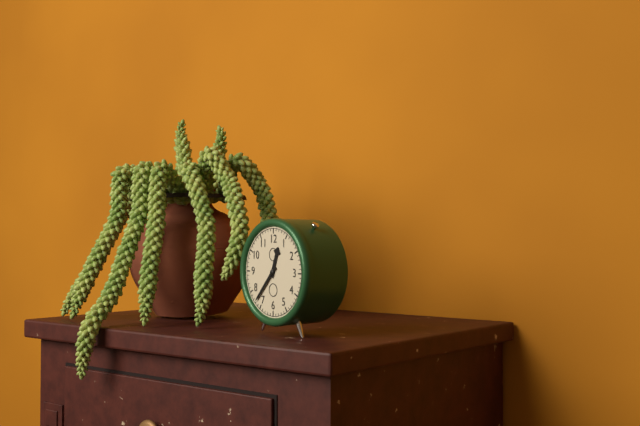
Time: h=12 m=37
